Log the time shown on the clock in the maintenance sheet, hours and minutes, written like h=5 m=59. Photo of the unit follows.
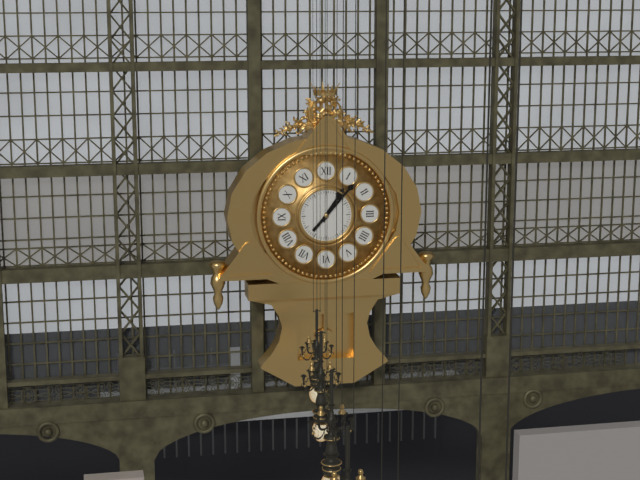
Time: h=1 m=7
